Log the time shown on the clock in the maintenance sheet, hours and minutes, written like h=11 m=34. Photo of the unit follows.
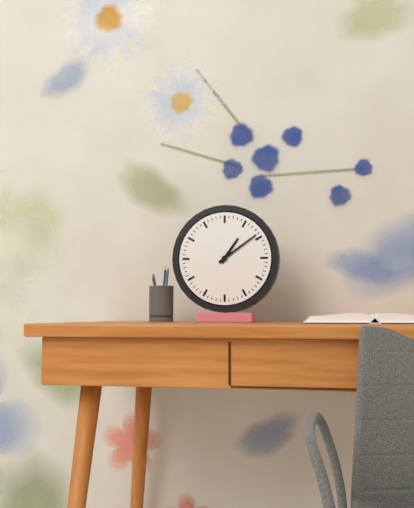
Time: h=1 m=9
